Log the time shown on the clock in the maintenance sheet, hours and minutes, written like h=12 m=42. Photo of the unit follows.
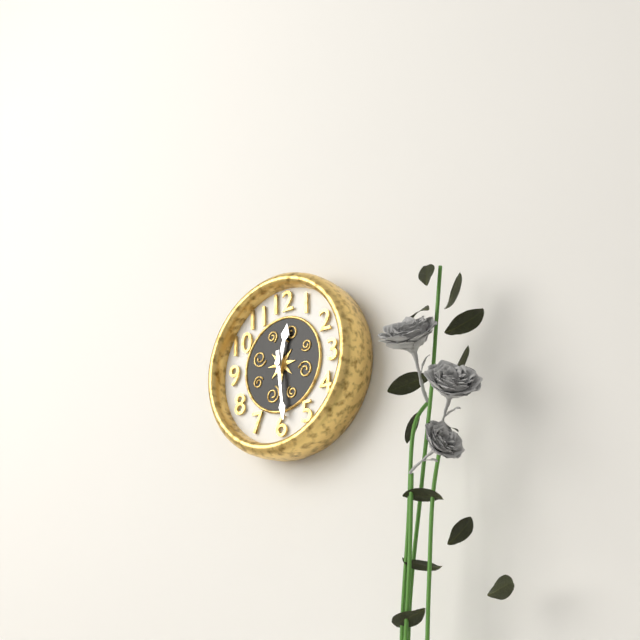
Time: h=12 m=29
